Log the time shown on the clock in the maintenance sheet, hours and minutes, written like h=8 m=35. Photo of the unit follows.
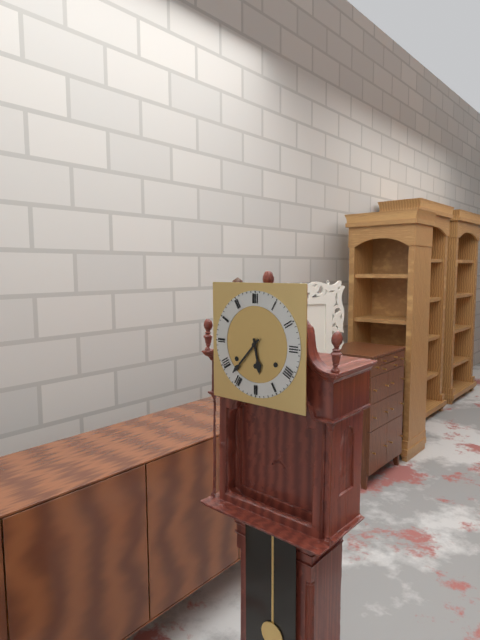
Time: h=5 m=37
